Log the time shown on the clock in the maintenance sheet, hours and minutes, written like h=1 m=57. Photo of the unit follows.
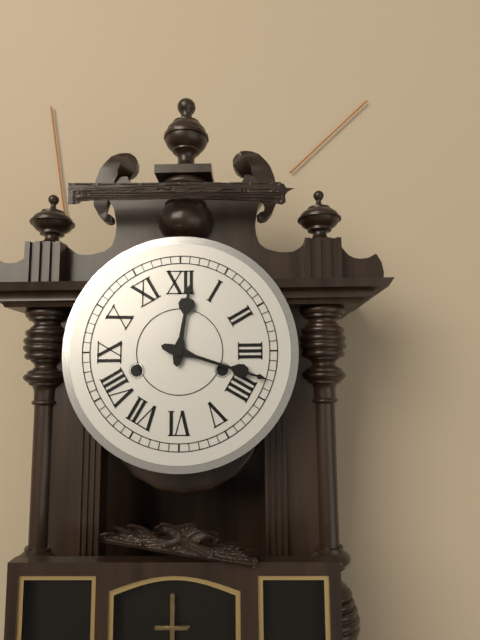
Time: h=12 m=18
